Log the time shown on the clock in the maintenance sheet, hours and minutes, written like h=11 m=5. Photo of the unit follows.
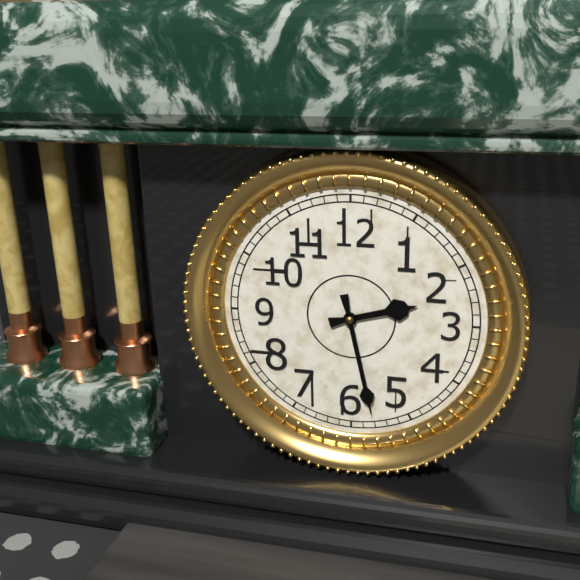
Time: h=2 m=28
